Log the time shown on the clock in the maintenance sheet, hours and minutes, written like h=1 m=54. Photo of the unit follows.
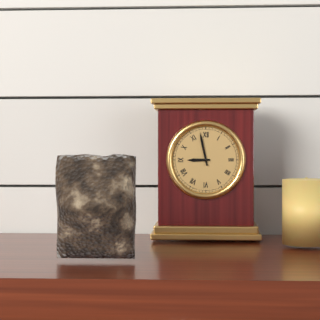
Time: h=8 m=58
